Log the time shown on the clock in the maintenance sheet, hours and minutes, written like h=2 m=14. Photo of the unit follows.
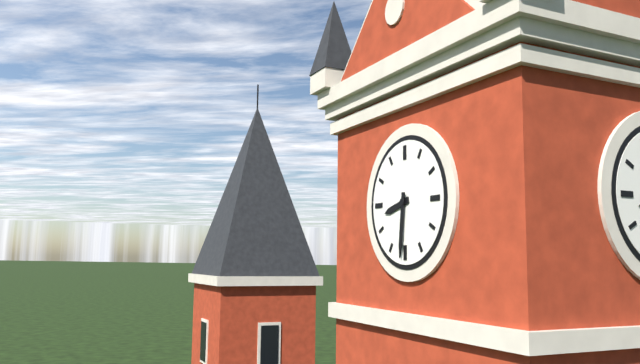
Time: h=8 m=31
